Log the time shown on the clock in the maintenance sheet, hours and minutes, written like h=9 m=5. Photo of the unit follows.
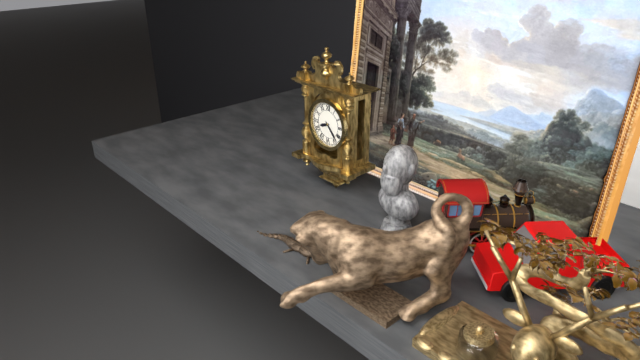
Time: h=8 m=23
